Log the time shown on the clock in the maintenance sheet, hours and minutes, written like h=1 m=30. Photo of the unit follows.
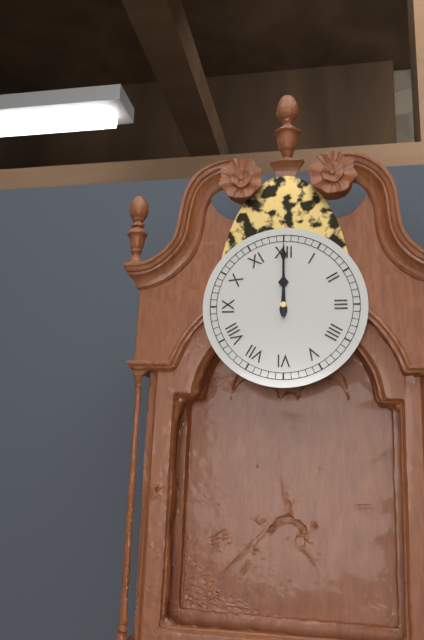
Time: h=12 m=0
